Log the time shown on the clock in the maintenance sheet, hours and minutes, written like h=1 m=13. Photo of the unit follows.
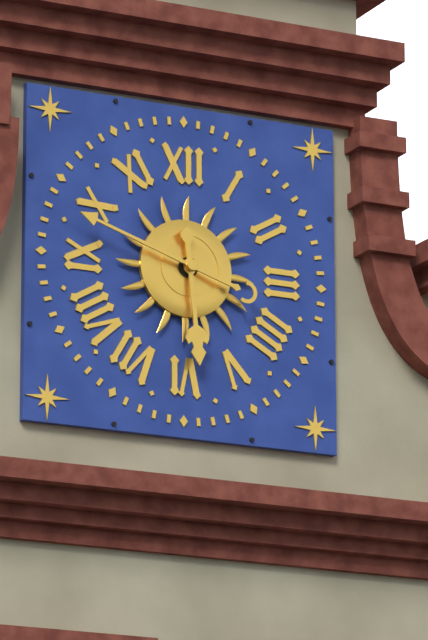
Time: h=5 m=48
